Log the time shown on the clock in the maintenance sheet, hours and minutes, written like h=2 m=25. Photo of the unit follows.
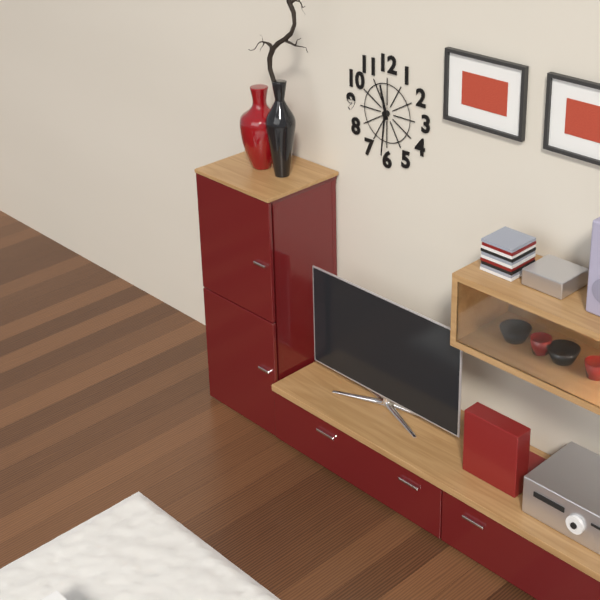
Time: h=11 m=31
